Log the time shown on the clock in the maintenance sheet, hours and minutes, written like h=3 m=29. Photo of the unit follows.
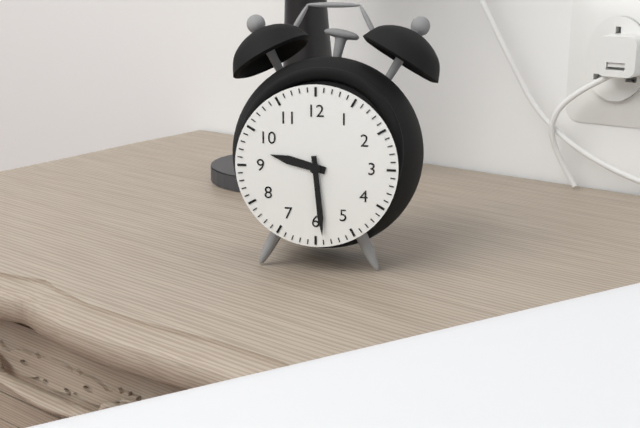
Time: h=9 m=29
